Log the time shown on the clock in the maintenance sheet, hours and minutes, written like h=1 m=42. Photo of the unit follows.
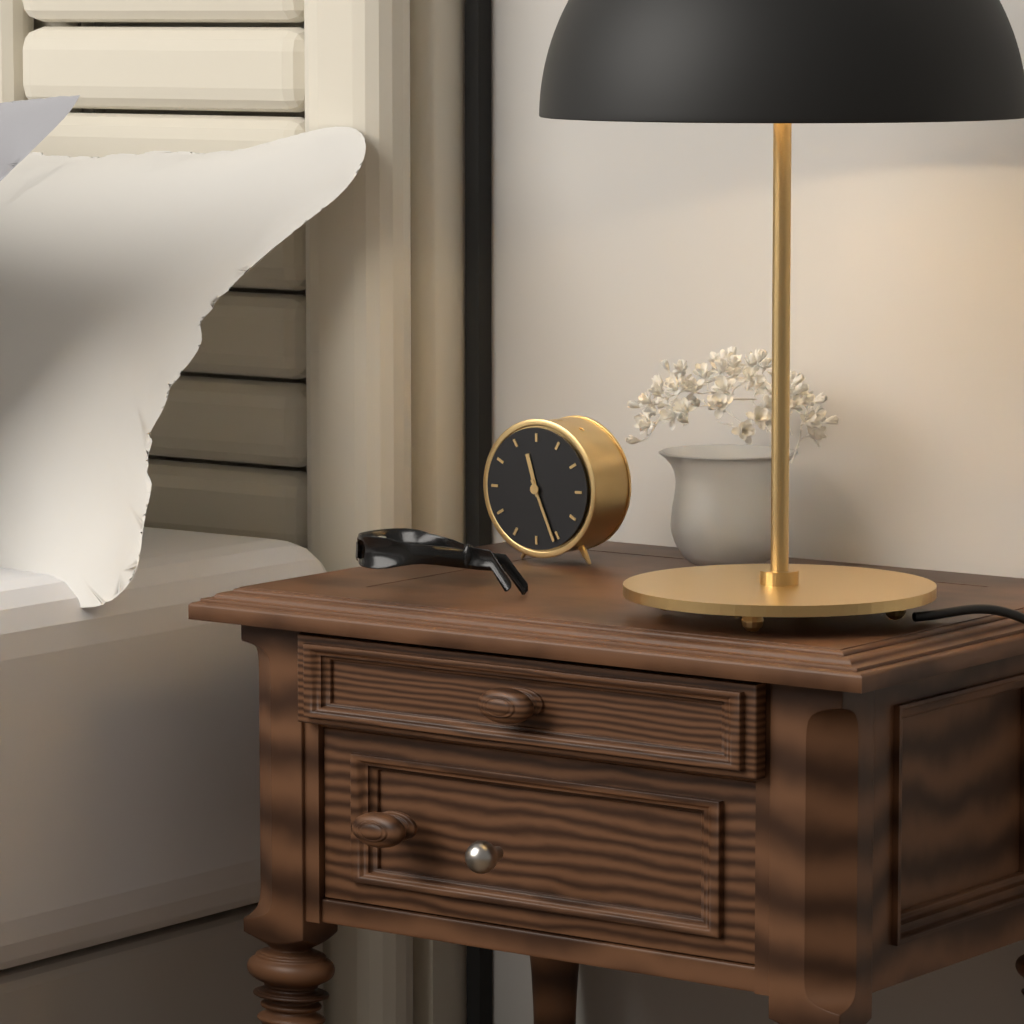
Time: h=11 m=26
